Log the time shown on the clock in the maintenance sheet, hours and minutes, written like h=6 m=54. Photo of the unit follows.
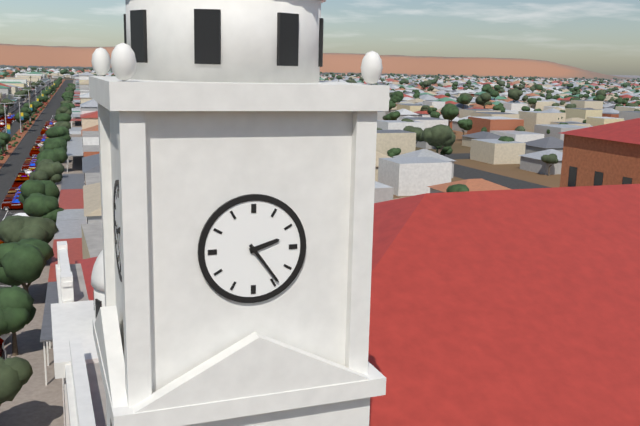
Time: h=2 m=24
